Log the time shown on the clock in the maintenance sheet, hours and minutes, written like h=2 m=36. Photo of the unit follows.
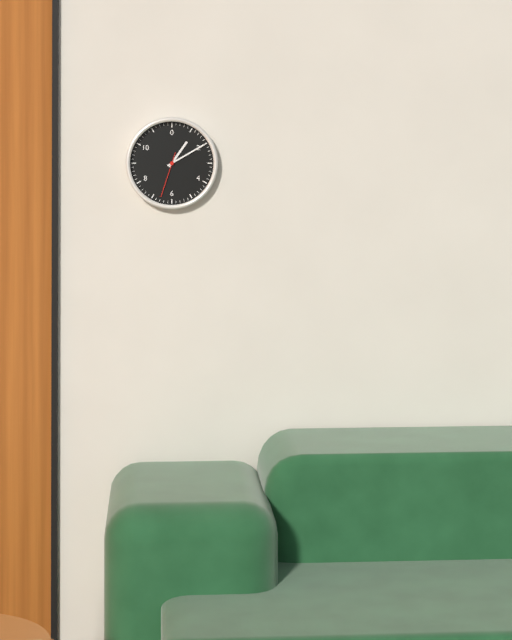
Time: h=1 m=10
